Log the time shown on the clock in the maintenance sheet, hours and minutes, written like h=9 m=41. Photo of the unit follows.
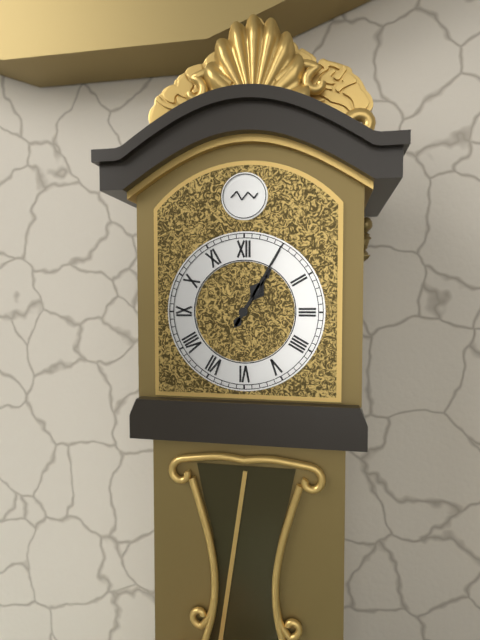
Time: h=1 m=5
